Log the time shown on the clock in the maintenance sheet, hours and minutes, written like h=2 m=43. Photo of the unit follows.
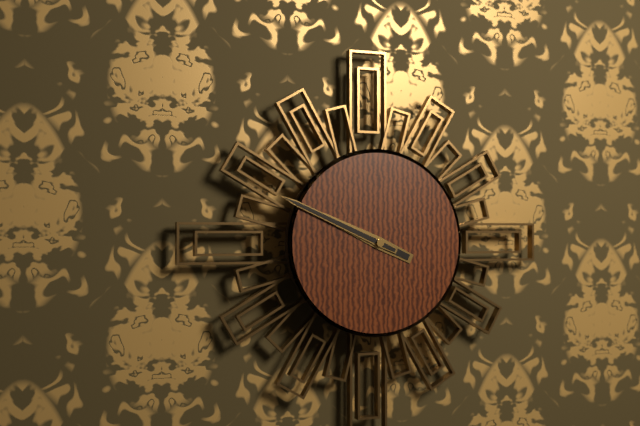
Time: h=9 m=49
